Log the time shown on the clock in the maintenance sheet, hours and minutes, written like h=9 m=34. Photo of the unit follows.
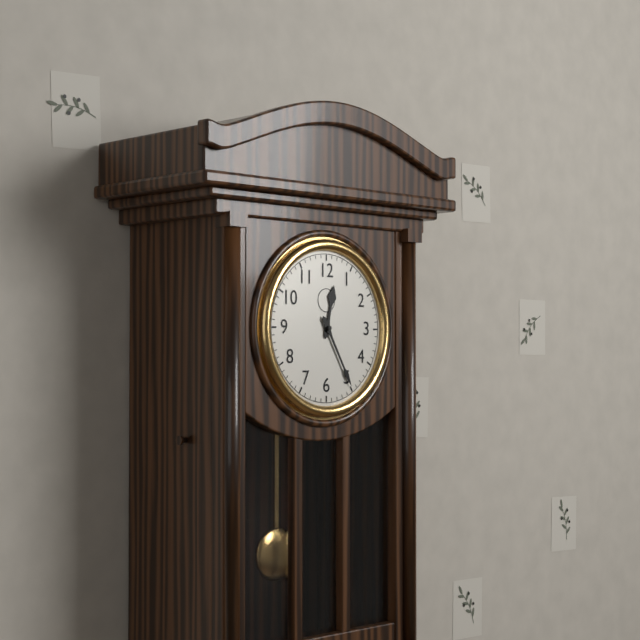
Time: h=12 m=25
